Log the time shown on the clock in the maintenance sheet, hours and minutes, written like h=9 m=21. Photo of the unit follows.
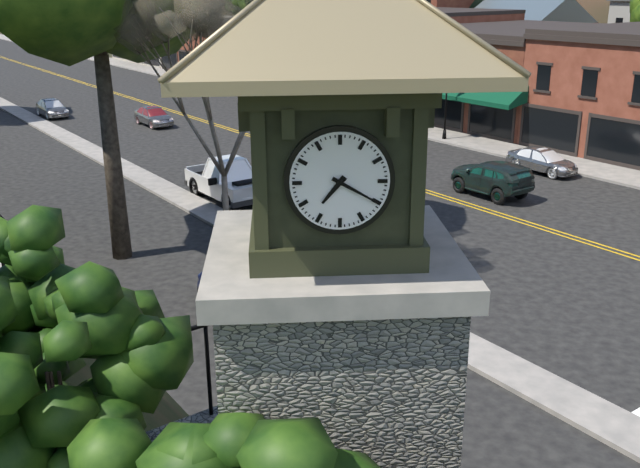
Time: h=7 m=20
